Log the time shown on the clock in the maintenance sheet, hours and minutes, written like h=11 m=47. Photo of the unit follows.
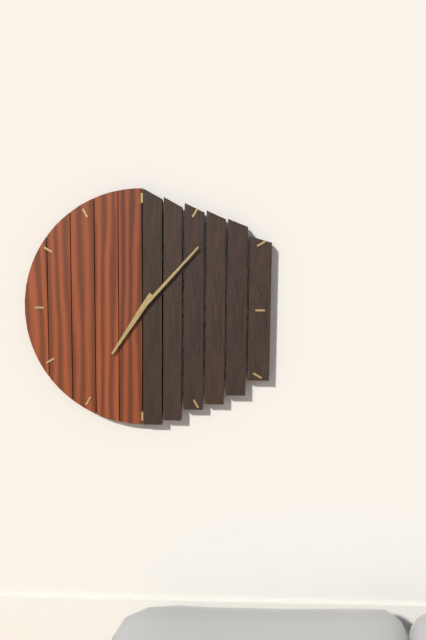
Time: h=7 m=7
